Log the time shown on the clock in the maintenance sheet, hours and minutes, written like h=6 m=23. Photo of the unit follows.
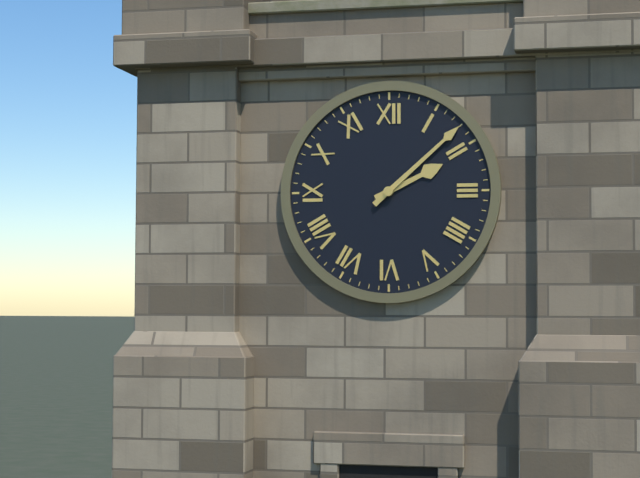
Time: h=2 m=8
